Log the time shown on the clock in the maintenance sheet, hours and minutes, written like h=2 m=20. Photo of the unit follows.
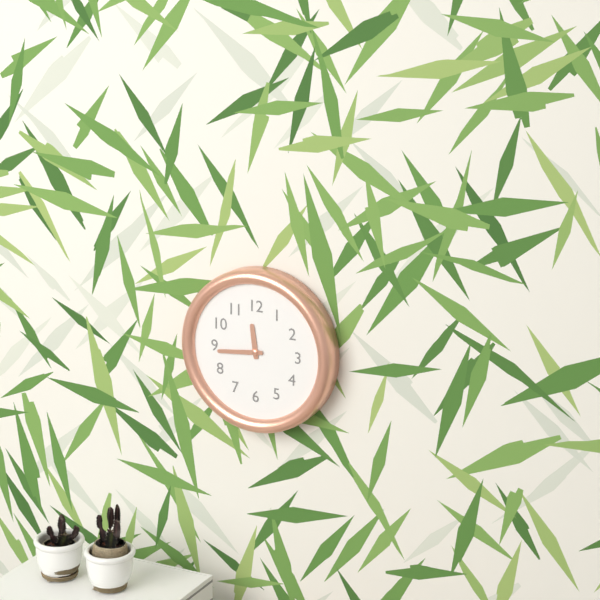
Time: h=11 m=44
